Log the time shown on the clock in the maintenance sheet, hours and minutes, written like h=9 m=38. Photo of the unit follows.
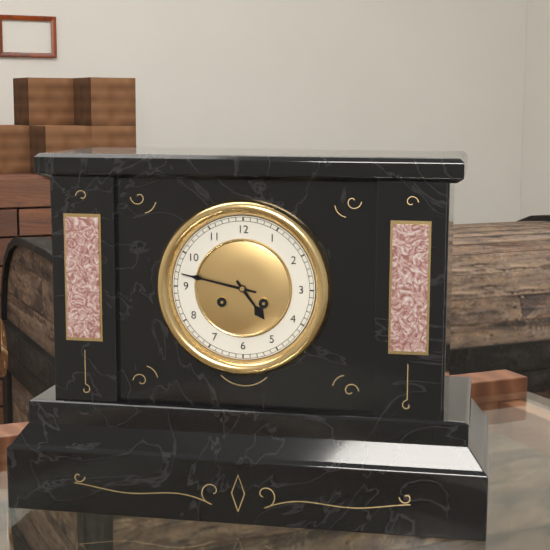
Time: h=4 m=47
